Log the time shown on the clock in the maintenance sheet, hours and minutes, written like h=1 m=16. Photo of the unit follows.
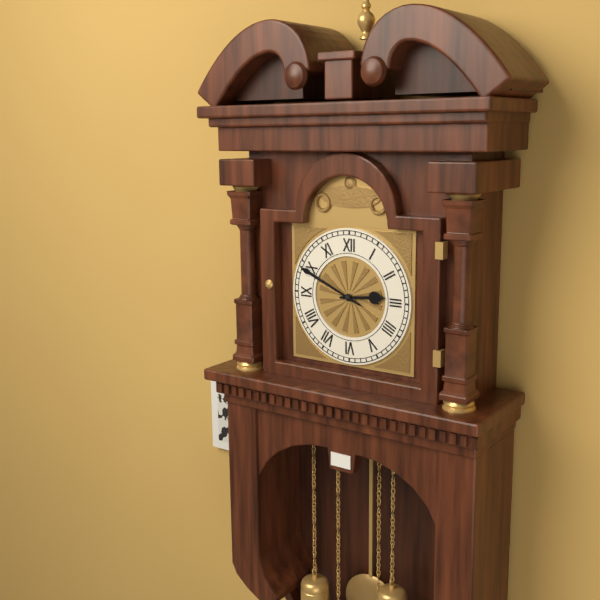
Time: h=2 m=49
